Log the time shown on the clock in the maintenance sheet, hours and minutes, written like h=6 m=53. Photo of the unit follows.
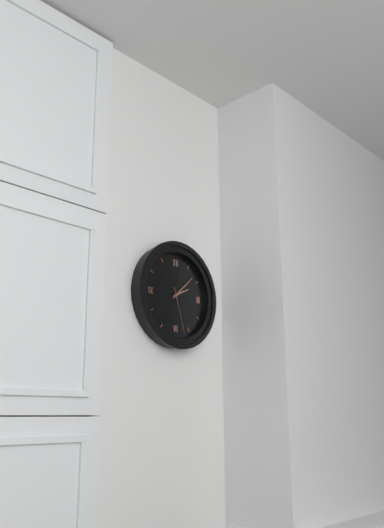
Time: h=2 m=8
